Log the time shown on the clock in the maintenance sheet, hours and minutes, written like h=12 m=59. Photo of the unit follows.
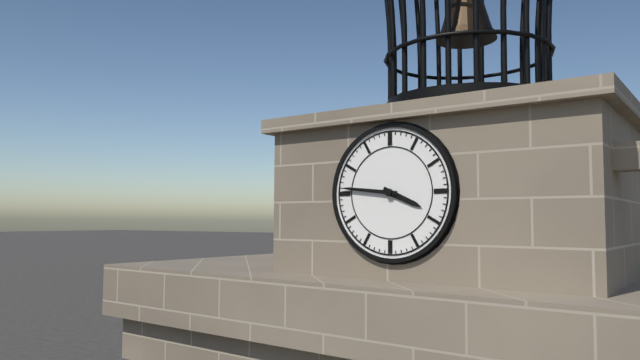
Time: h=3 m=46
